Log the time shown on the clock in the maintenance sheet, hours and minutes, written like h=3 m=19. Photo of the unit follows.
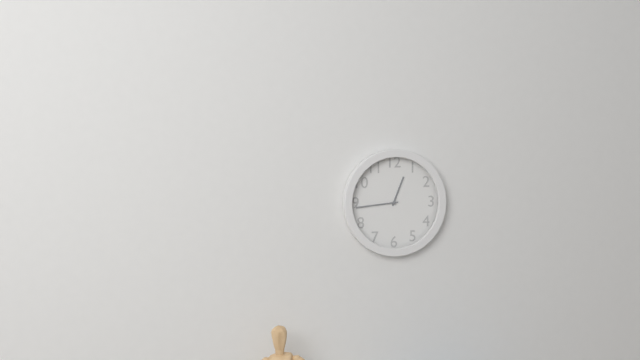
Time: h=12 m=44
